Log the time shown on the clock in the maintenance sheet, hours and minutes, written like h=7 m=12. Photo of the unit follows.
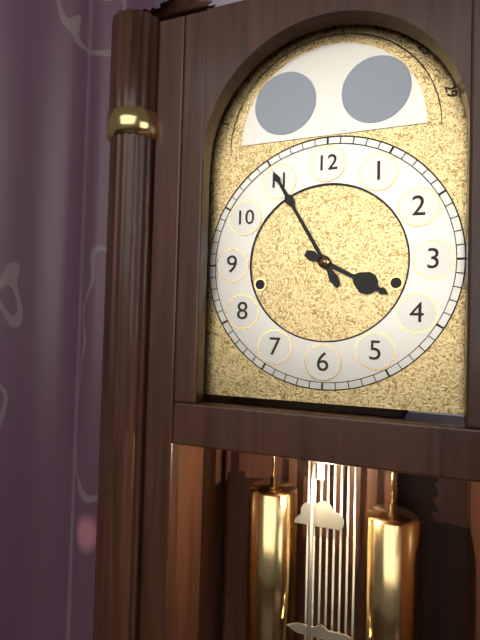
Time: h=3 m=55
